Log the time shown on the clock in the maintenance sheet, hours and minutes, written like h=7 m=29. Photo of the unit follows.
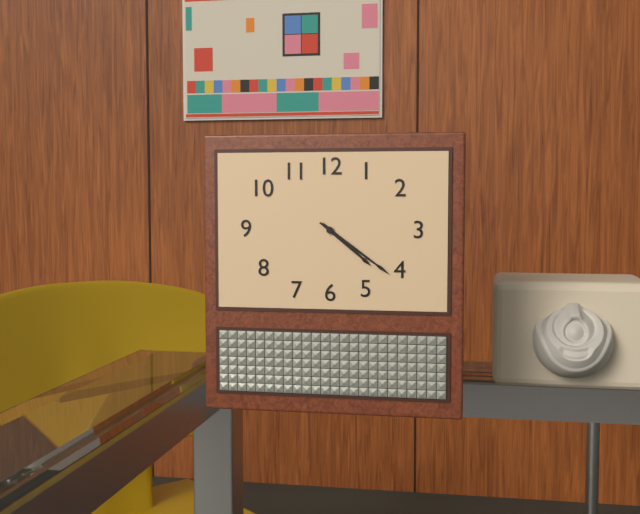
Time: h=4 m=21
